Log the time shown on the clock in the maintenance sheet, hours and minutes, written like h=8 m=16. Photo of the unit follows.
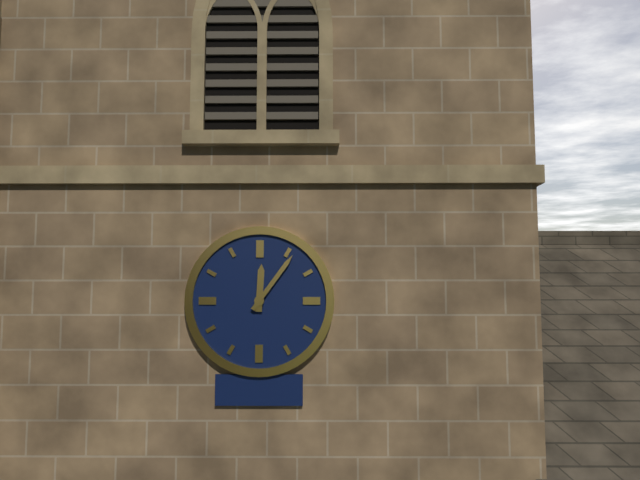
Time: h=12 m=6
